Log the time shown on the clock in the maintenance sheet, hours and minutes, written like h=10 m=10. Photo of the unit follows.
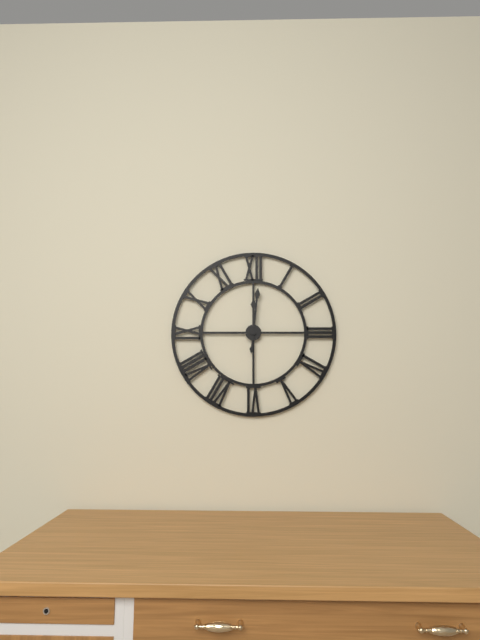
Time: h=12 m=1
